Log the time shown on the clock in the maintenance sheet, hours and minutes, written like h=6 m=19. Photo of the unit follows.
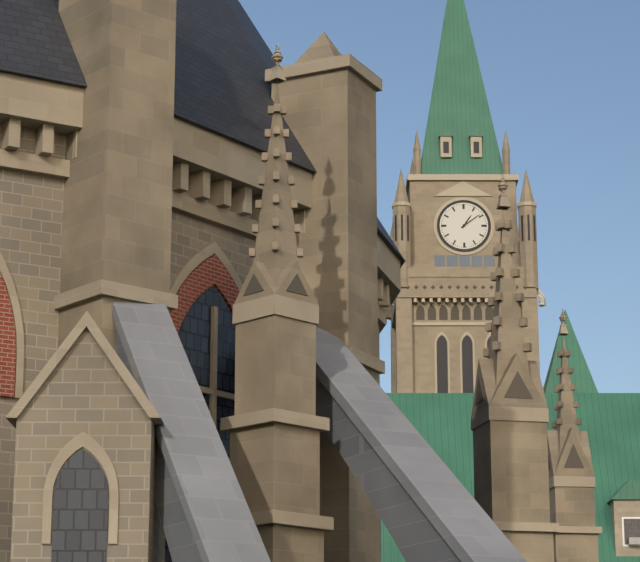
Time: h=1 m=9
